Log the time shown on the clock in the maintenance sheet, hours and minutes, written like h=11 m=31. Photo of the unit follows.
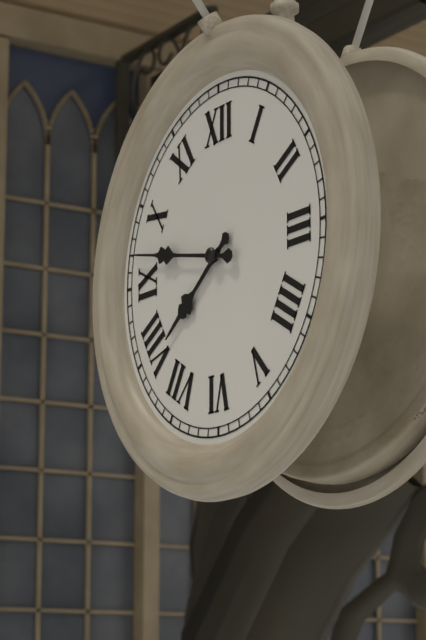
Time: h=7 m=47
